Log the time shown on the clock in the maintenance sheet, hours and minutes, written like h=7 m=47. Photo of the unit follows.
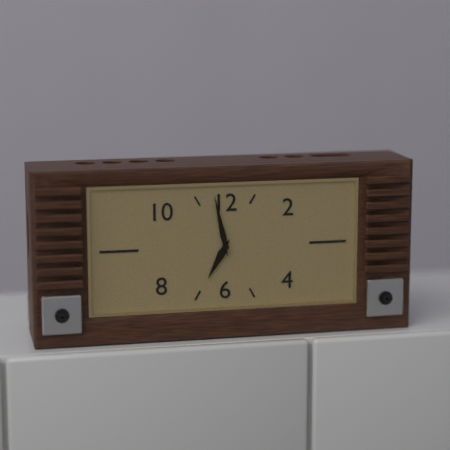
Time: h=6 m=58
